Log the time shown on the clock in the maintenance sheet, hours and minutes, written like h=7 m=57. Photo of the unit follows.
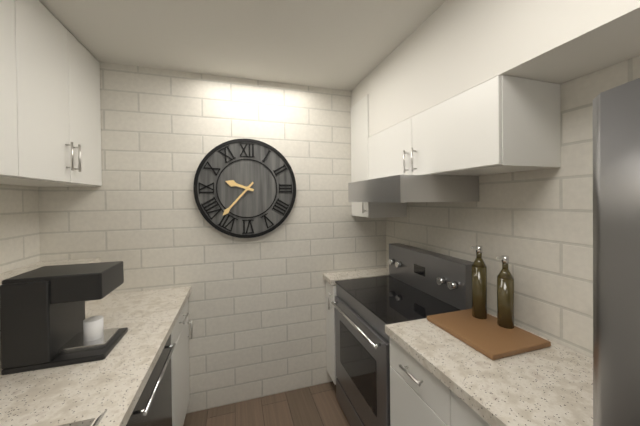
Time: h=9 m=37
